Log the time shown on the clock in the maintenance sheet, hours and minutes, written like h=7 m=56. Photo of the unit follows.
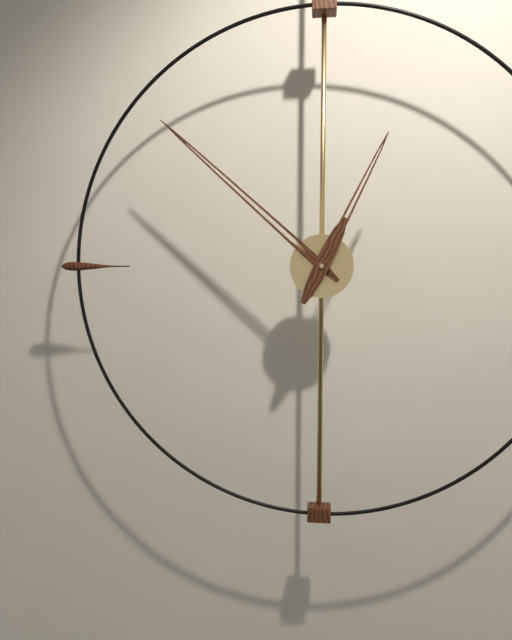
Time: h=12 m=52
